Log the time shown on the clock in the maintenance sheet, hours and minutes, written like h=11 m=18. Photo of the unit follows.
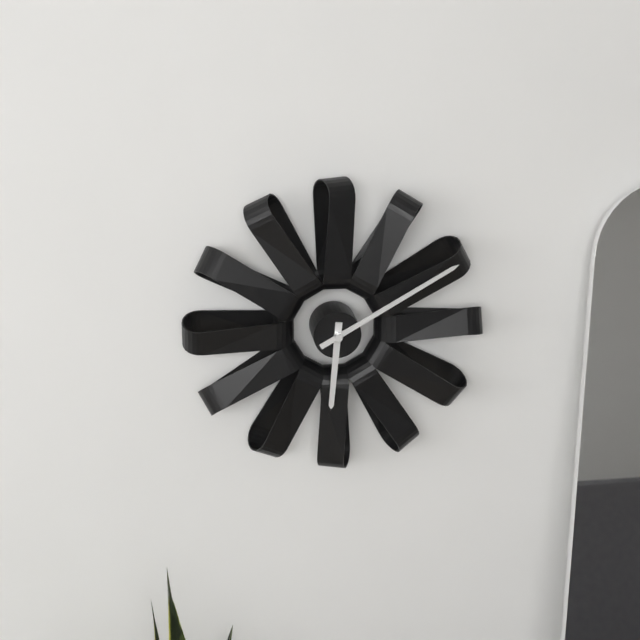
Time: h=6 m=10
